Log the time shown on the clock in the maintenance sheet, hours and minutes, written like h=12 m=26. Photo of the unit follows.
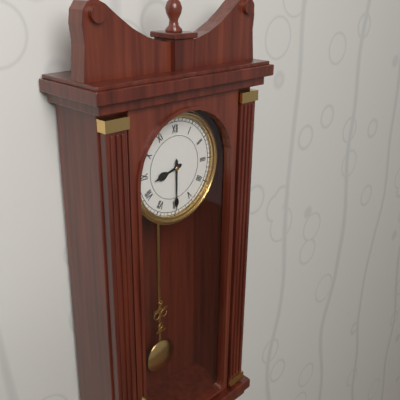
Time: h=8 m=30
